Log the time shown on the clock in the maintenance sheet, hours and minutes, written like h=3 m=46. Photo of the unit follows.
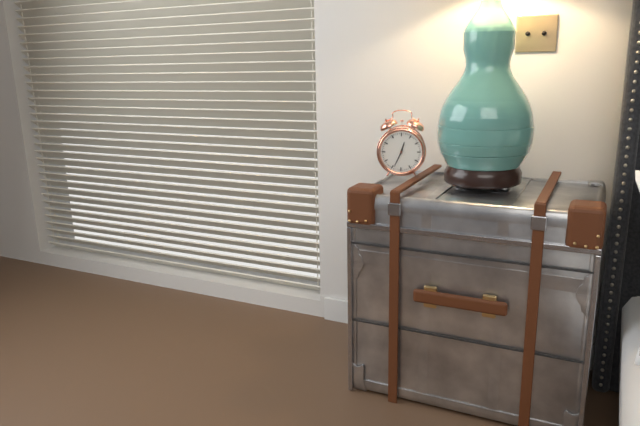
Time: h=12 m=34
